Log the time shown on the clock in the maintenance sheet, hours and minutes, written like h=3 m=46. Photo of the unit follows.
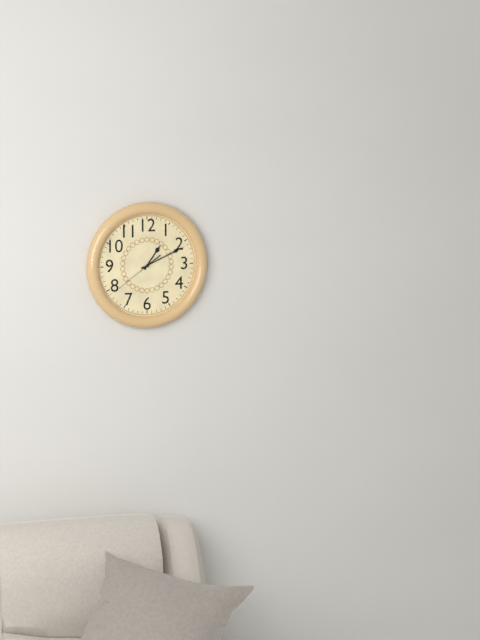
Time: h=1 m=11
